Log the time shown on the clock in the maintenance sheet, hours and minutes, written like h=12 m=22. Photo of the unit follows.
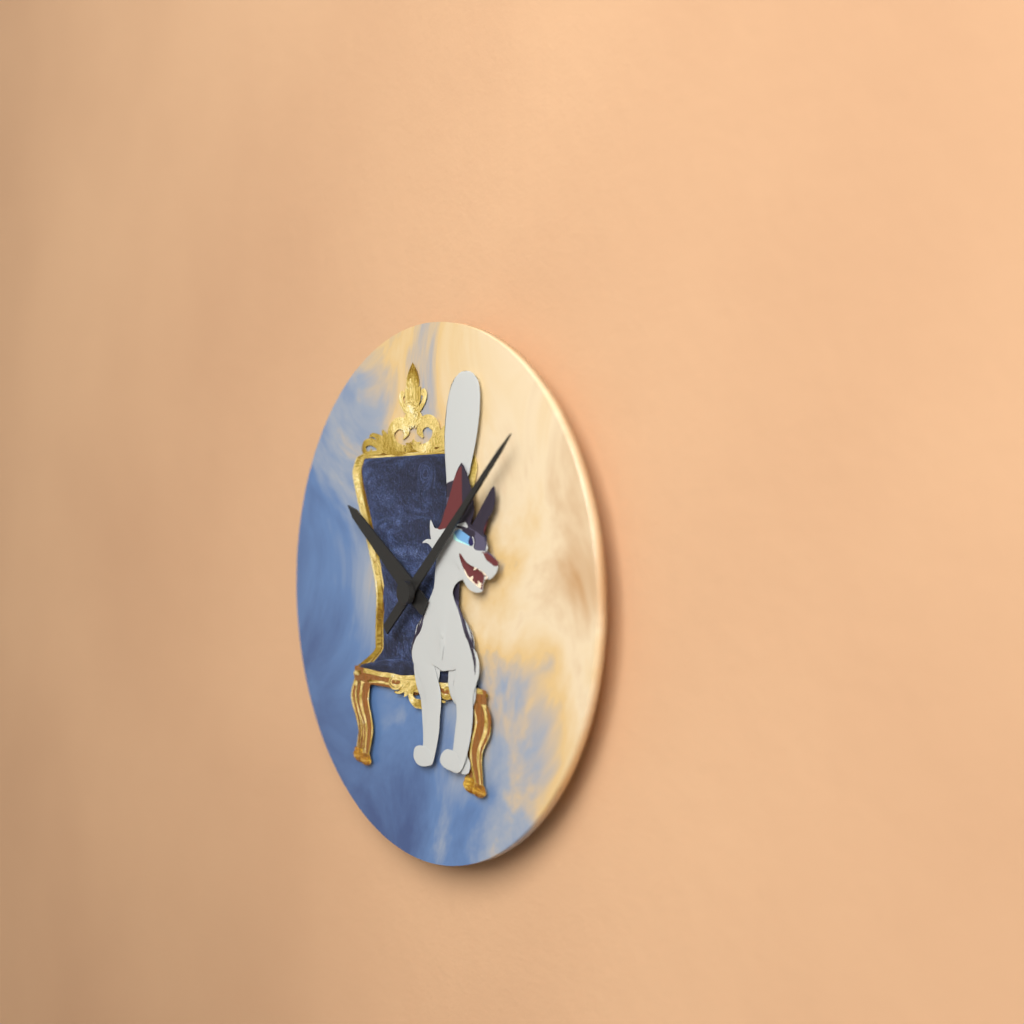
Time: h=10 m=8
